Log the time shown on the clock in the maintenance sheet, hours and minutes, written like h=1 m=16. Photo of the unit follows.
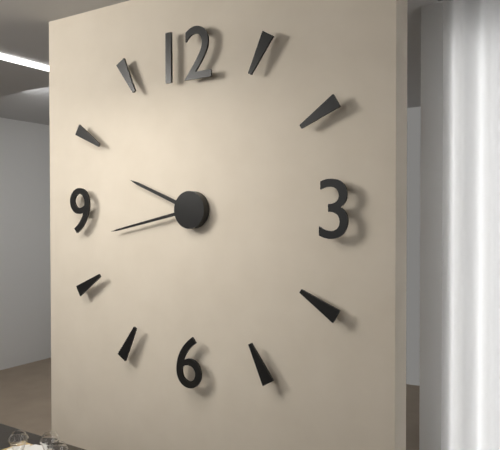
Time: h=9 m=43
